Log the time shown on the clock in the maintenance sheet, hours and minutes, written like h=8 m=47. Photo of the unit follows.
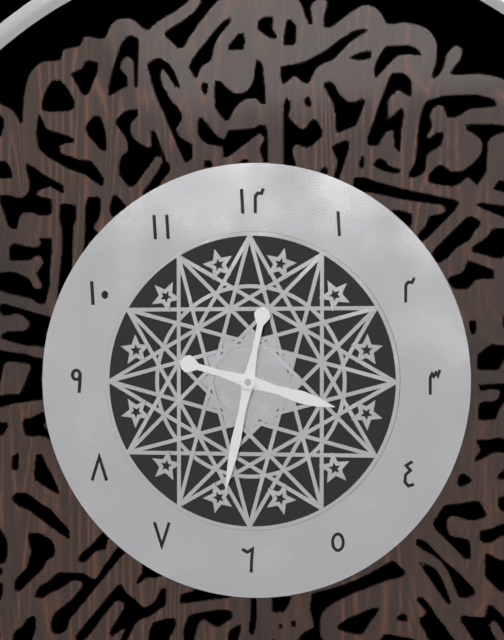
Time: h=3 m=32
